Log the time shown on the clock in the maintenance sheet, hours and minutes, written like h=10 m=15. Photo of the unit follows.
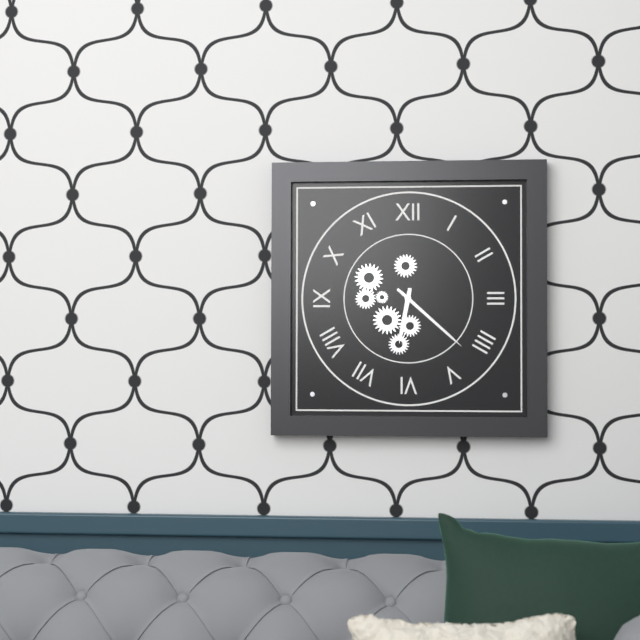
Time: h=6 m=22
